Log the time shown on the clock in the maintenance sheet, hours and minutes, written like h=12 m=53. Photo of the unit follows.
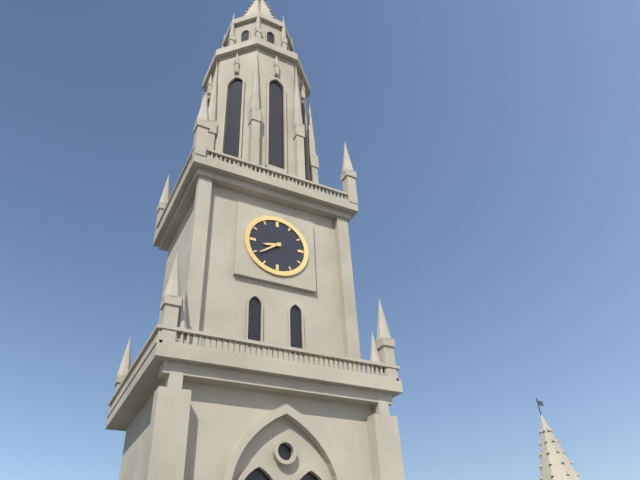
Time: h=8 m=39
